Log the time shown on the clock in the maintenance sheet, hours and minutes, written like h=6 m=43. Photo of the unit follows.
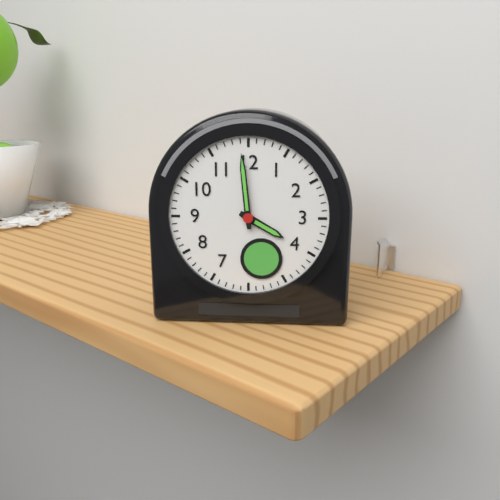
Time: h=3 m=59
